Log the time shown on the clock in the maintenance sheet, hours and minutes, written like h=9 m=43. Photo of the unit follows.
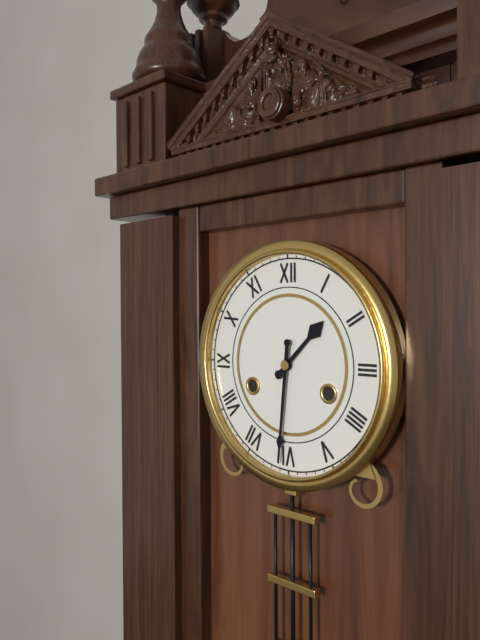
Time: h=1 m=31
